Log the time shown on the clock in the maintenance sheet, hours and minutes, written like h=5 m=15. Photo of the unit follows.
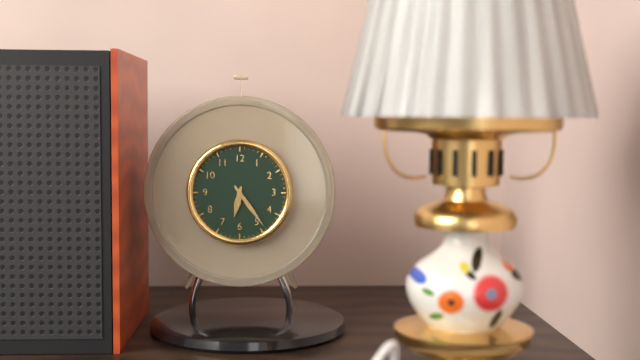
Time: h=6 m=24
